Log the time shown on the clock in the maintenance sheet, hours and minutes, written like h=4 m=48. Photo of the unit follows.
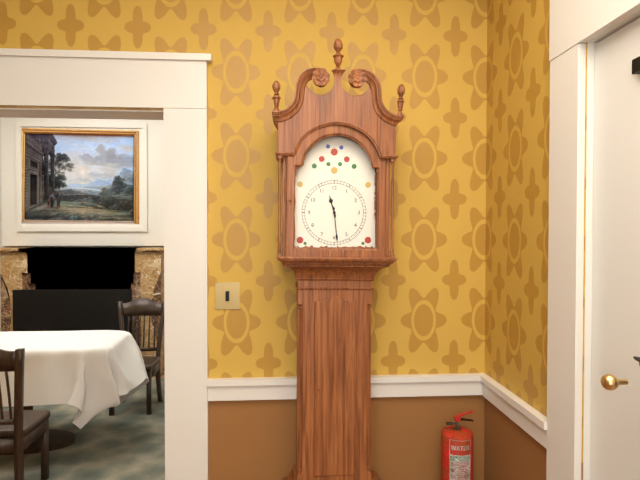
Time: h=11 m=29
